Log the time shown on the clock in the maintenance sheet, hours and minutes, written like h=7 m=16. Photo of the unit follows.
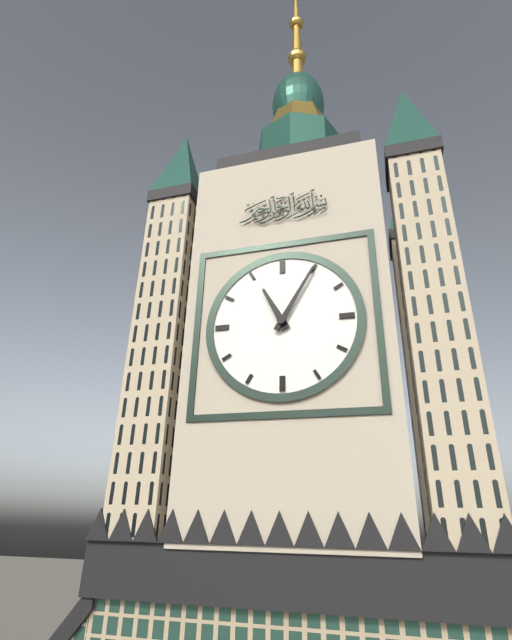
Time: h=11 m=5
